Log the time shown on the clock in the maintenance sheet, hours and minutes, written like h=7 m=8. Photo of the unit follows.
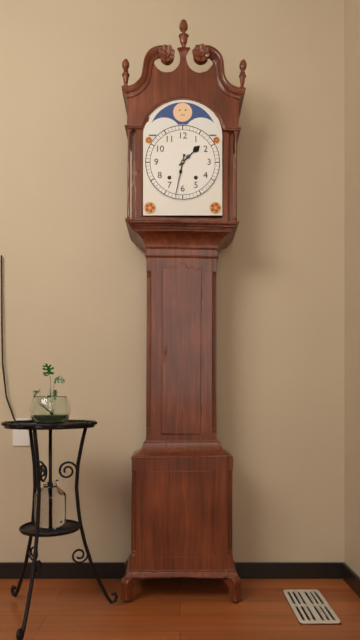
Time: h=1 m=32
